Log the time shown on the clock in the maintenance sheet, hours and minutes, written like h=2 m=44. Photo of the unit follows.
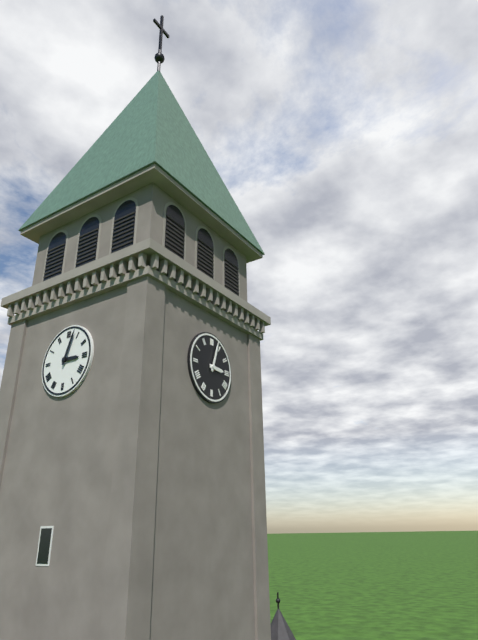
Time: h=3 m=3
